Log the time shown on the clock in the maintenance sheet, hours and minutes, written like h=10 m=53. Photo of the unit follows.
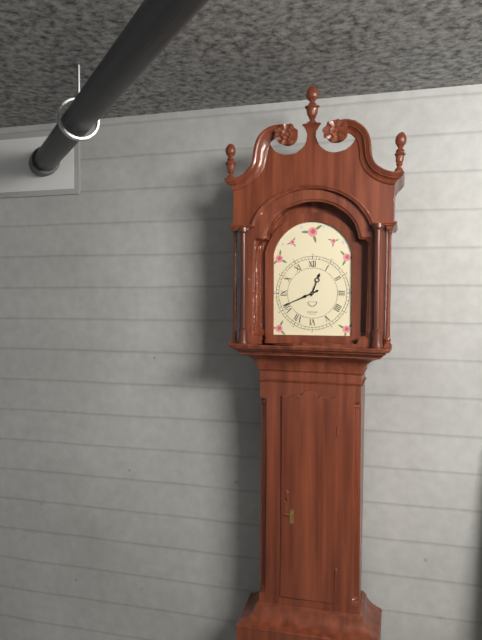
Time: h=12 m=41
